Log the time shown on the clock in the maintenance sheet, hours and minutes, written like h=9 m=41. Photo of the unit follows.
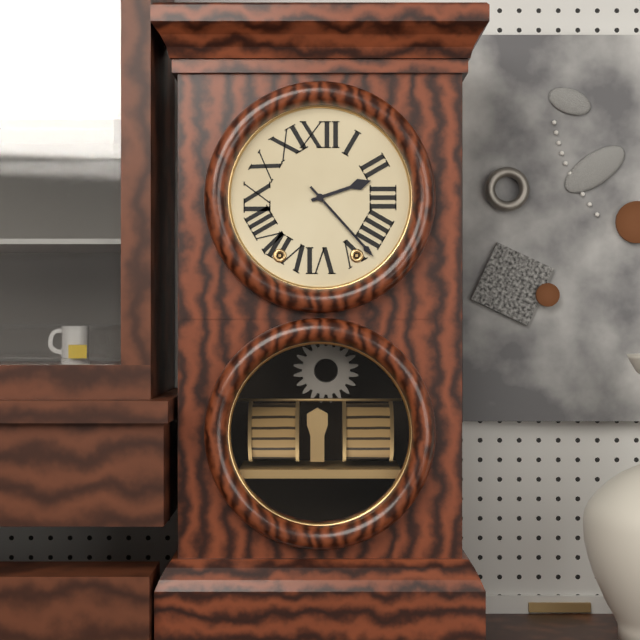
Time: h=2 m=23
